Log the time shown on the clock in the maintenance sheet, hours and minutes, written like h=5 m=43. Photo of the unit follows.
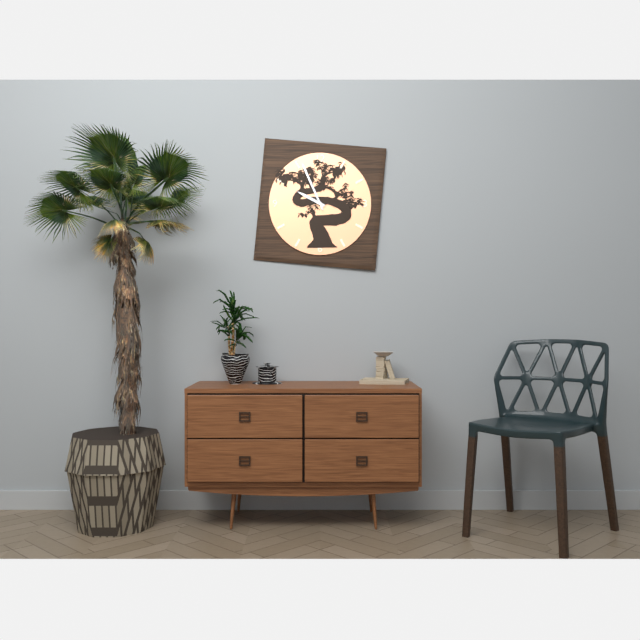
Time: h=9 m=56
